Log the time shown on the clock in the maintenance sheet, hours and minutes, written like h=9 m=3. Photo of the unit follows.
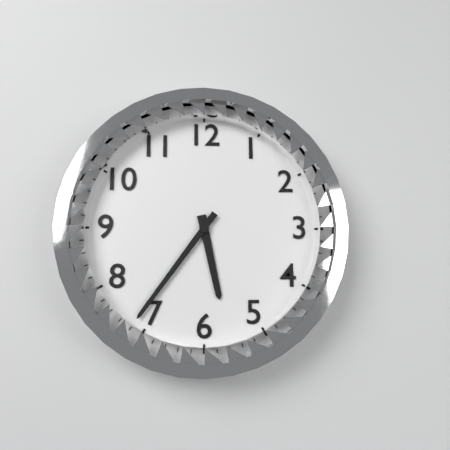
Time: h=5 m=36
